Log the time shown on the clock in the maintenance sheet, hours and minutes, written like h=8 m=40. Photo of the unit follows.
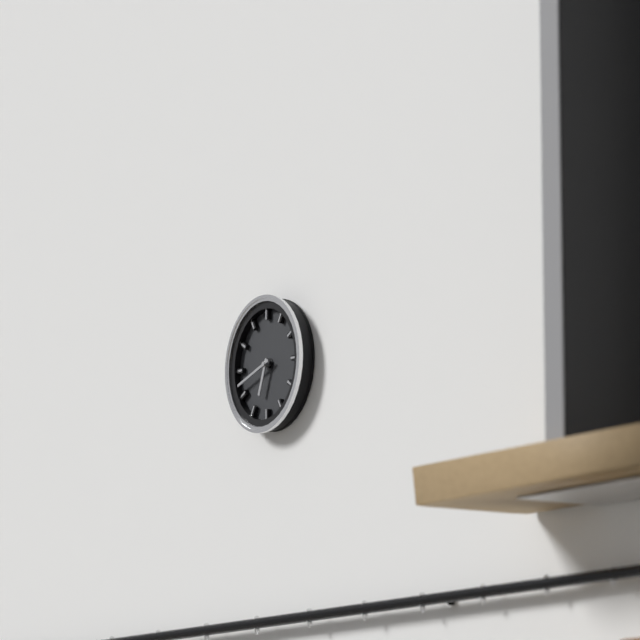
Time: h=6 m=42
